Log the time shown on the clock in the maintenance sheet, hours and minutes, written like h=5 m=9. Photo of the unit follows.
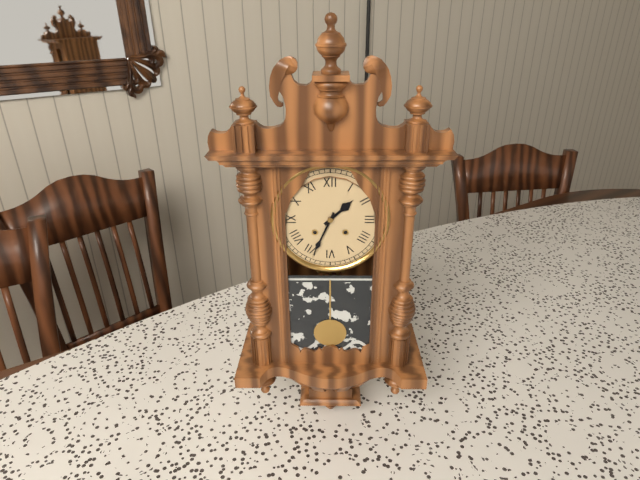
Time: h=1 m=34
